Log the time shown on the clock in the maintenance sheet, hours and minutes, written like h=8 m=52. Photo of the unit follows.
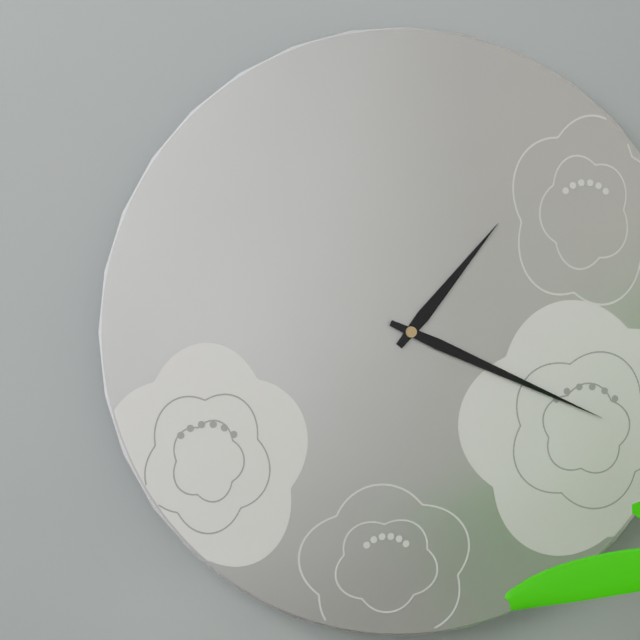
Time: h=1 m=19
